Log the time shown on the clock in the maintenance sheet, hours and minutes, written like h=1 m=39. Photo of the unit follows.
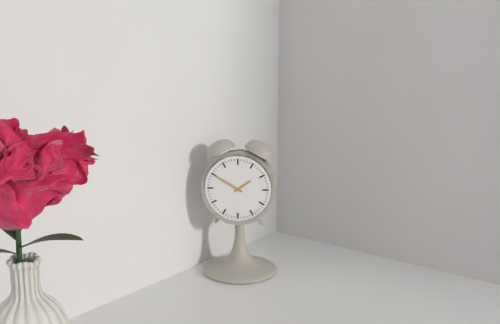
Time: h=1 m=50
